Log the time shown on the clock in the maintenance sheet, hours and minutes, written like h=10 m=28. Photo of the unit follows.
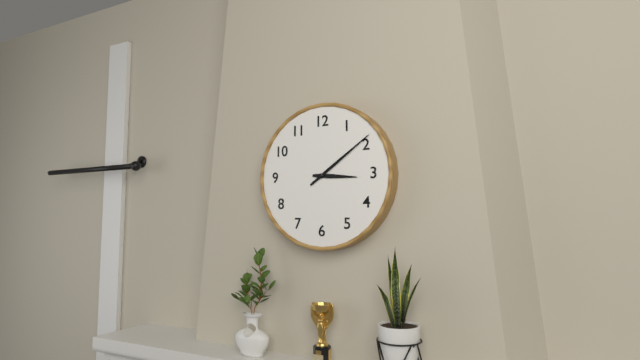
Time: h=3 m=9
